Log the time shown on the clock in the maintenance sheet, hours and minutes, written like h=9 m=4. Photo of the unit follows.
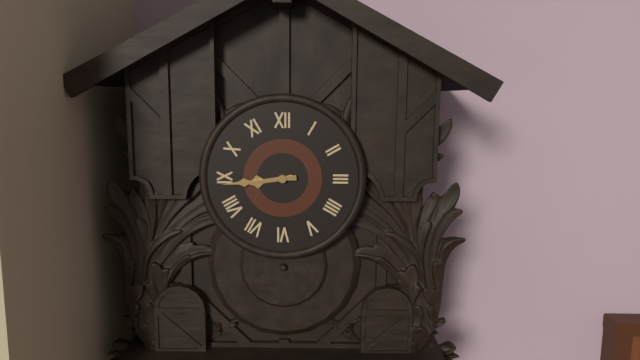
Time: h=8 m=44
